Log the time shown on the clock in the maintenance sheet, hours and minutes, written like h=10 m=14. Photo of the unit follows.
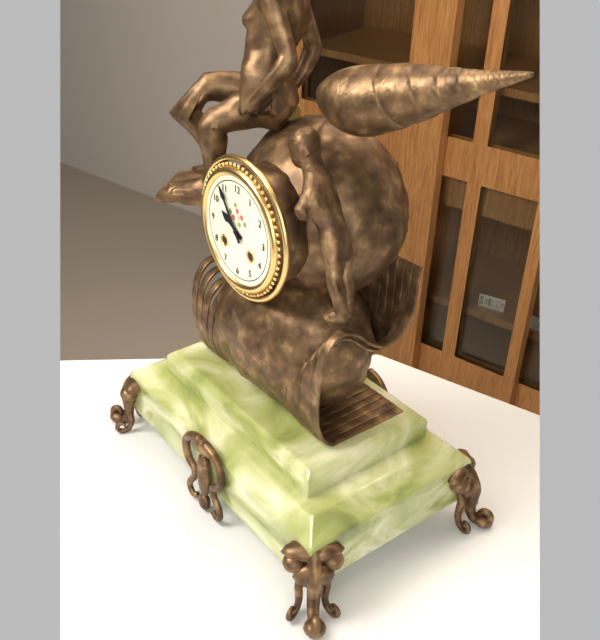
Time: h=9 m=54
